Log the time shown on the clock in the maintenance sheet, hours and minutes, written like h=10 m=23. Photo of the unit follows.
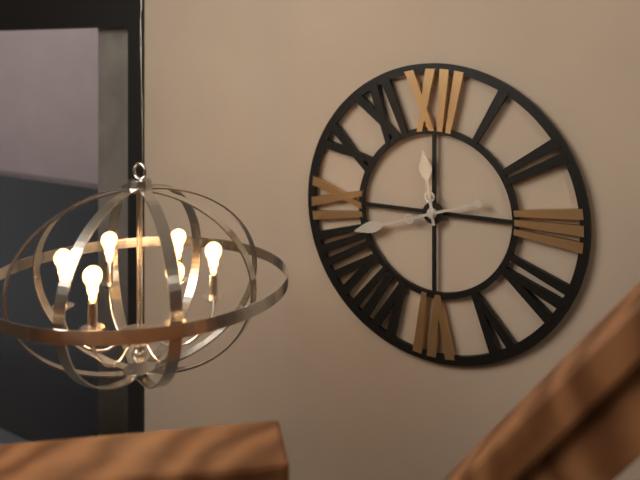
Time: h=11 m=42
